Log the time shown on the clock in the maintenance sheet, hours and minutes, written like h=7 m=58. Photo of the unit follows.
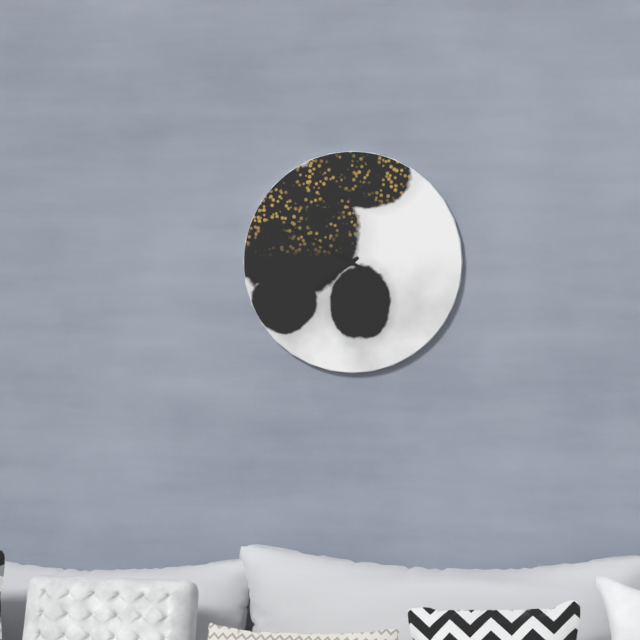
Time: h=7 m=50
